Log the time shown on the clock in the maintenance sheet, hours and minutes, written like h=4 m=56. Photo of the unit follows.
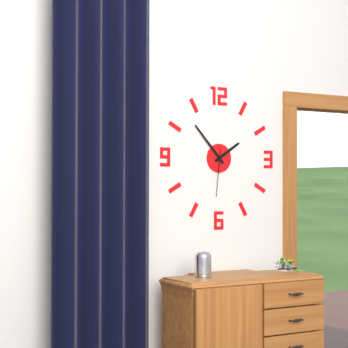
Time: h=1 m=53
